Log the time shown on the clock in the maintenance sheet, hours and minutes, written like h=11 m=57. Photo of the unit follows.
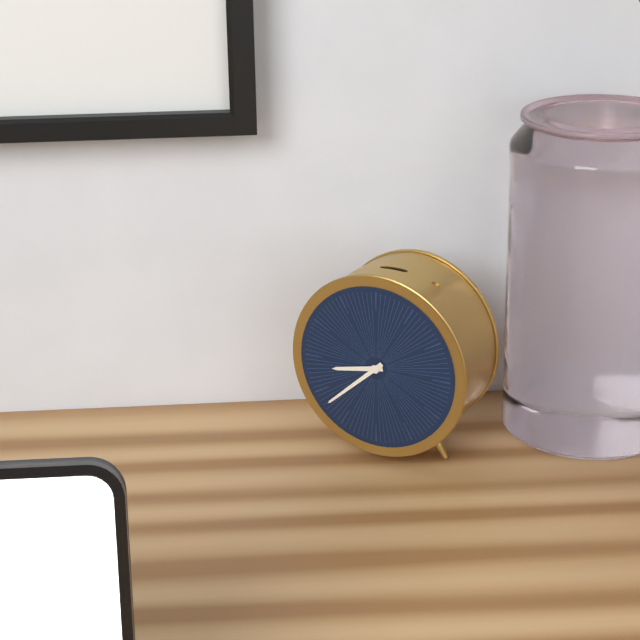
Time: h=8 m=38
